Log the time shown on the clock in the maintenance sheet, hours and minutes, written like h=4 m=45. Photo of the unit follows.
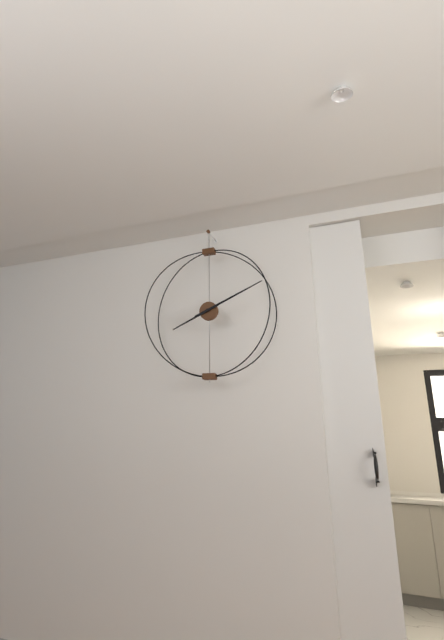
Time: h=8 m=11
